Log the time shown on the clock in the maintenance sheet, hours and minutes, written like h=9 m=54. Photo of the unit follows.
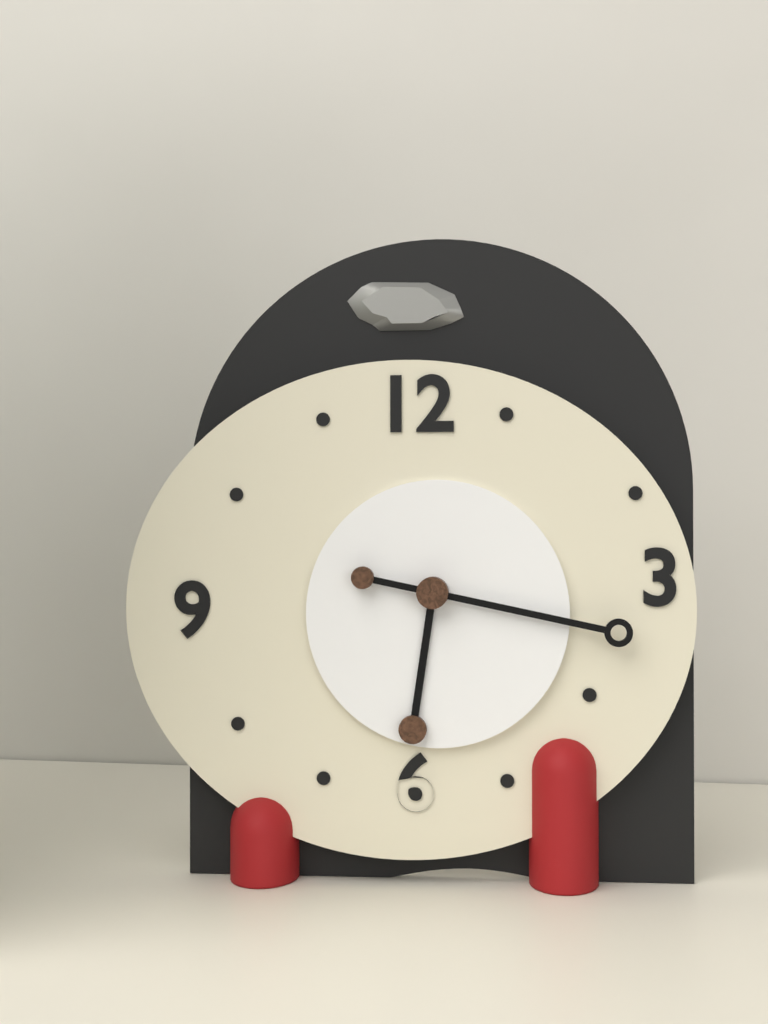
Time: h=6 m=17
